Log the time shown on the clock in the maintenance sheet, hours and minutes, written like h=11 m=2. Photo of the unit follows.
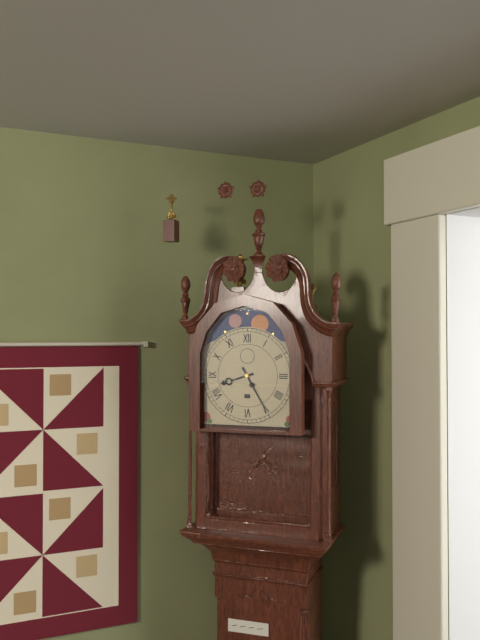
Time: h=8 m=25
